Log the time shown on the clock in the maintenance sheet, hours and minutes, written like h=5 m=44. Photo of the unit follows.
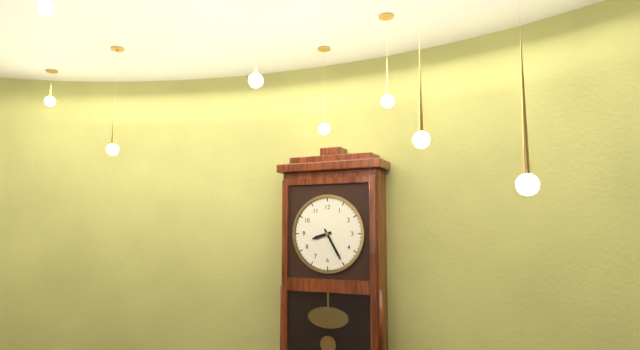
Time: h=8 m=25
